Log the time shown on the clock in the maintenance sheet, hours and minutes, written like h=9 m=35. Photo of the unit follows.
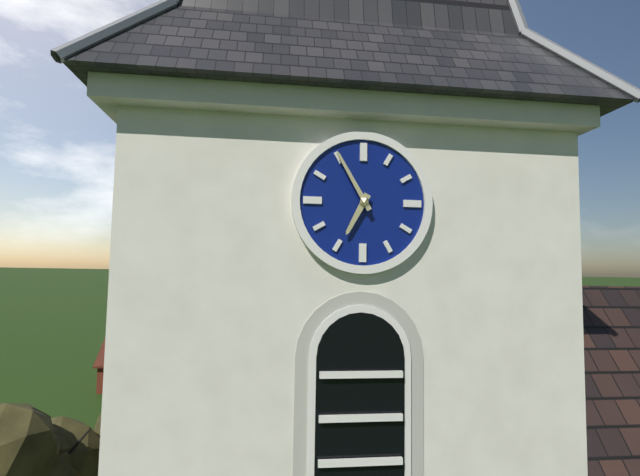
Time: h=6 m=55
